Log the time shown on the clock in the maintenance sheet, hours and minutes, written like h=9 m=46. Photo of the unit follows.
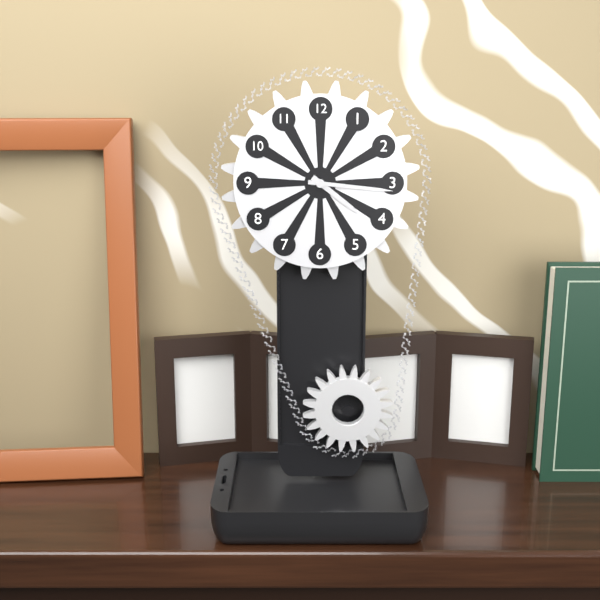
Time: h=4 m=16
